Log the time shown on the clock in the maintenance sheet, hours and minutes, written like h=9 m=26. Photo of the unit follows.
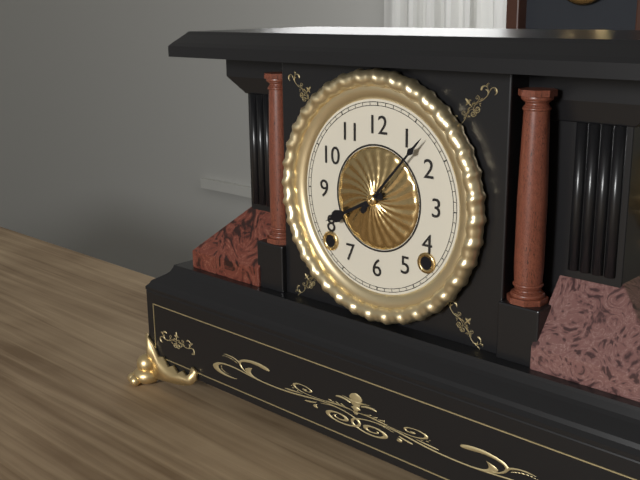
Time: h=8 m=7
